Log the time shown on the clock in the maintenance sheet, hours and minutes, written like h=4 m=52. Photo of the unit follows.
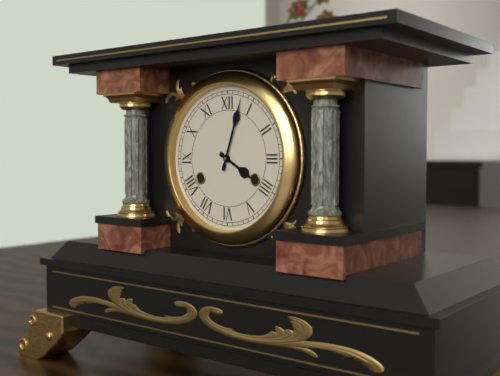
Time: h=4 m=3
